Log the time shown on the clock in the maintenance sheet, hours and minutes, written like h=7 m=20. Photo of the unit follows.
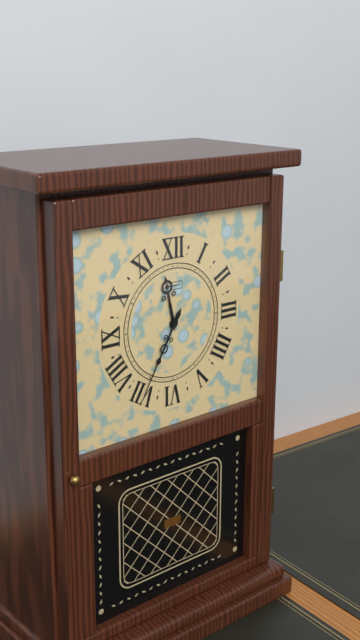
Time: h=11 m=35
